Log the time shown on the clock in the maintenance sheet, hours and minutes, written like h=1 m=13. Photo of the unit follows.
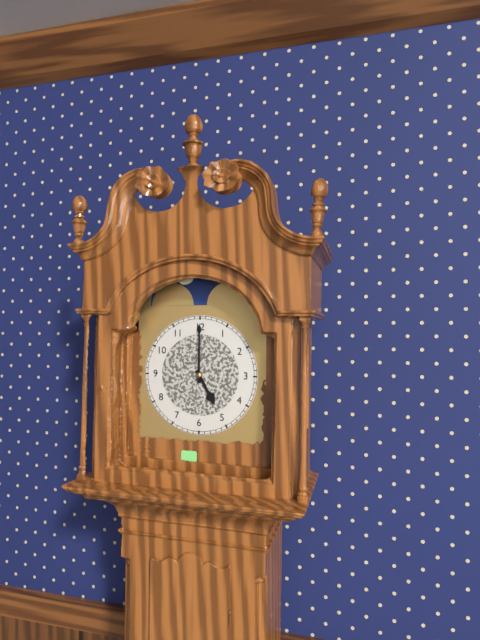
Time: h=5 m=0
